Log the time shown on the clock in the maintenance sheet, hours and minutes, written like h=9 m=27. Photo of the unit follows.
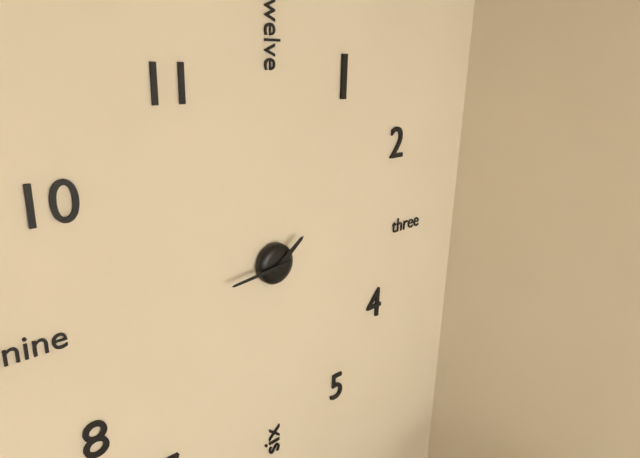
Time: h=1 m=44
